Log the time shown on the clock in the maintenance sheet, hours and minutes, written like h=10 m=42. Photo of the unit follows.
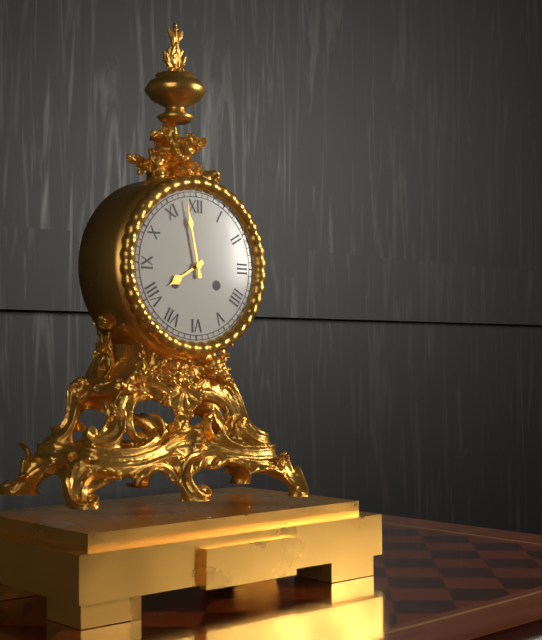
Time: h=7 m=58
